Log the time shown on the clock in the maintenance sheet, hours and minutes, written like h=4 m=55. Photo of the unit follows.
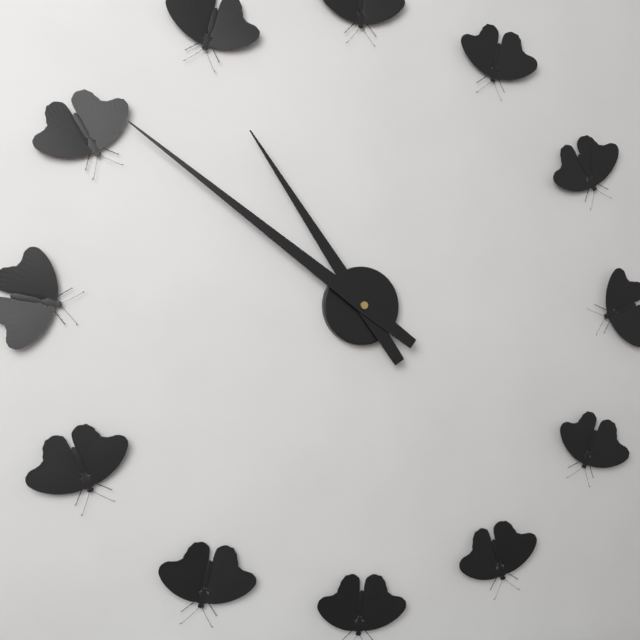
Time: h=10 m=51
